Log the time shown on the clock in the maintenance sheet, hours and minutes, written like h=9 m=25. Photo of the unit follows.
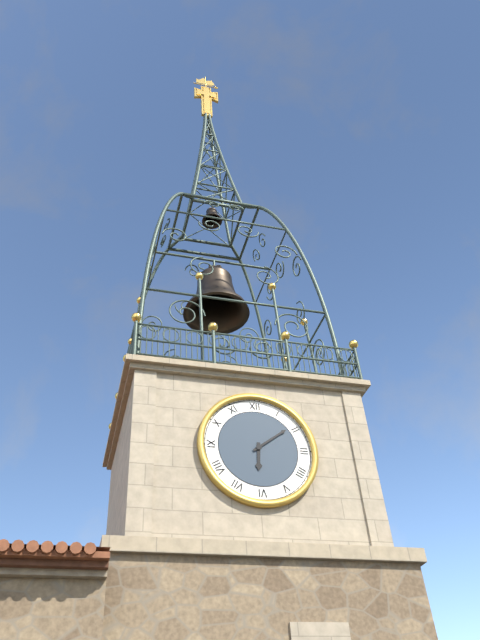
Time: h=6 m=9
